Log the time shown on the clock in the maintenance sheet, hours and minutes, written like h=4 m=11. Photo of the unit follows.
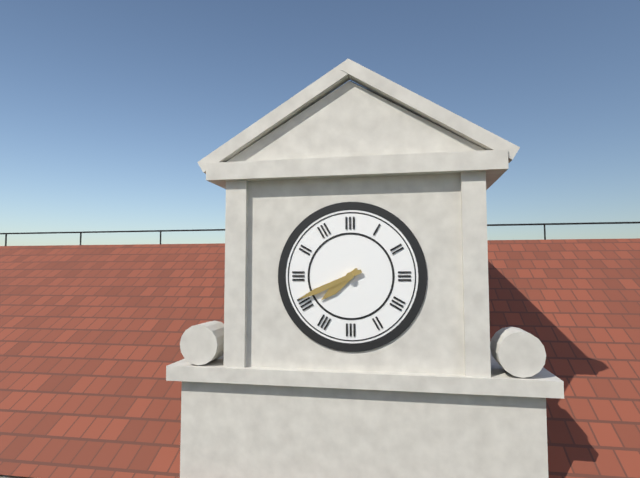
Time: h=7 m=41
